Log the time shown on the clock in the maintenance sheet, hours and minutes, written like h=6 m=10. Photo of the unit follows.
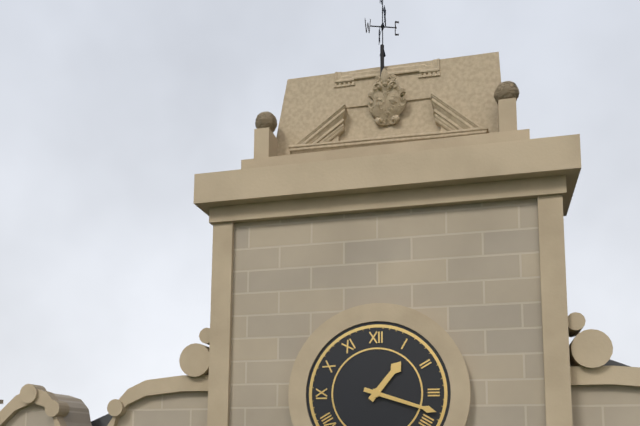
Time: h=1 m=18
